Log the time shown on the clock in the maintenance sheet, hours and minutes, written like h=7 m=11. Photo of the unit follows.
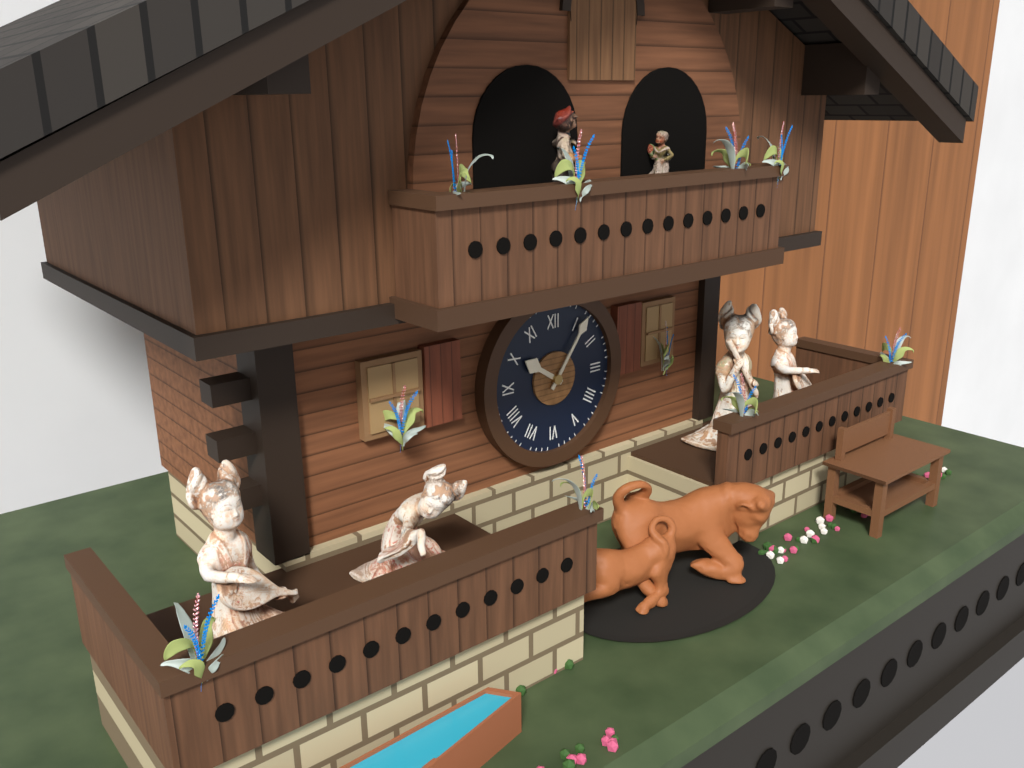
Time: h=10 m=6
